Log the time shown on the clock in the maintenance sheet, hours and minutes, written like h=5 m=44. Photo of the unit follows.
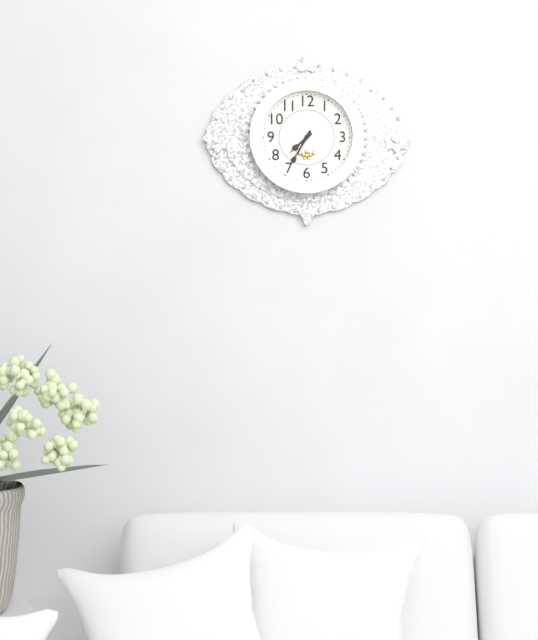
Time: h=7 m=35
